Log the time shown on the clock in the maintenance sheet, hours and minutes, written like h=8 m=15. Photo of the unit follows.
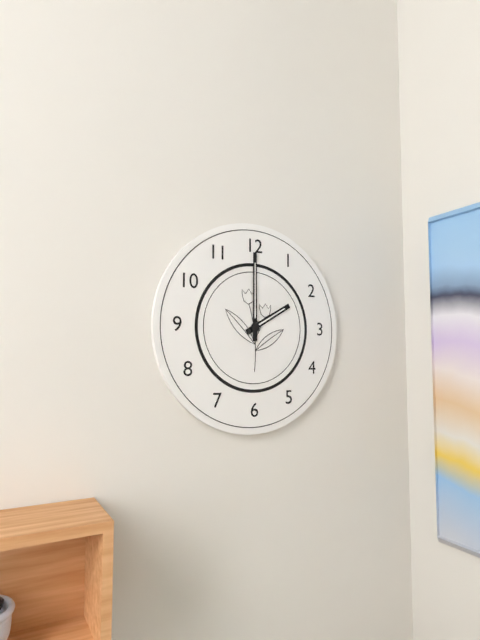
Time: h=2 m=0
